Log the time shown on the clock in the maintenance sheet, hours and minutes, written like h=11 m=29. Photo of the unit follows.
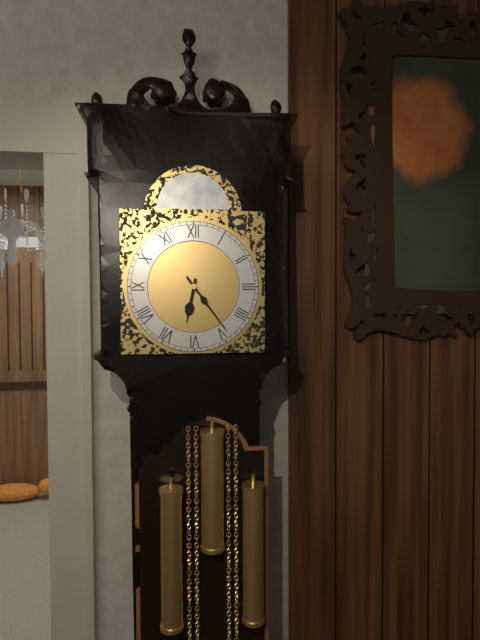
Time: h=6 m=24
